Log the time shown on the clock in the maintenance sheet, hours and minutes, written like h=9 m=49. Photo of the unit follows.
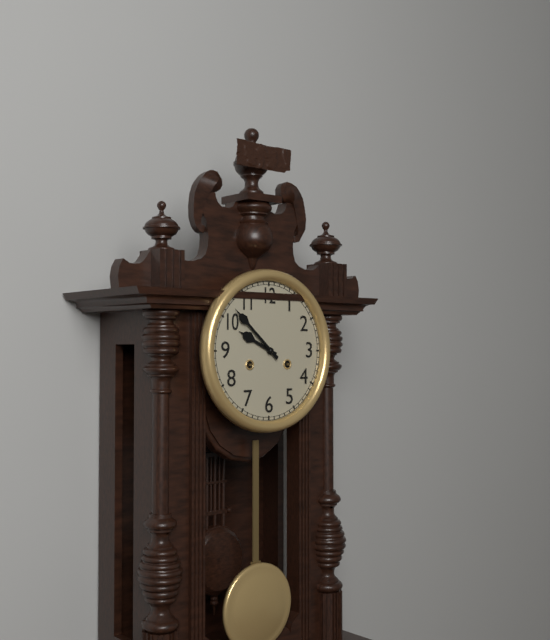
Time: h=9 m=52
